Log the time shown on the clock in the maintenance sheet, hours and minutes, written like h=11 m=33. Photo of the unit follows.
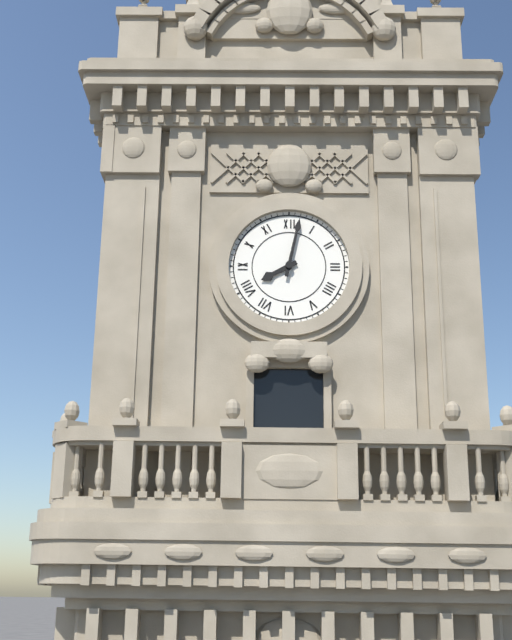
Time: h=8 m=2
